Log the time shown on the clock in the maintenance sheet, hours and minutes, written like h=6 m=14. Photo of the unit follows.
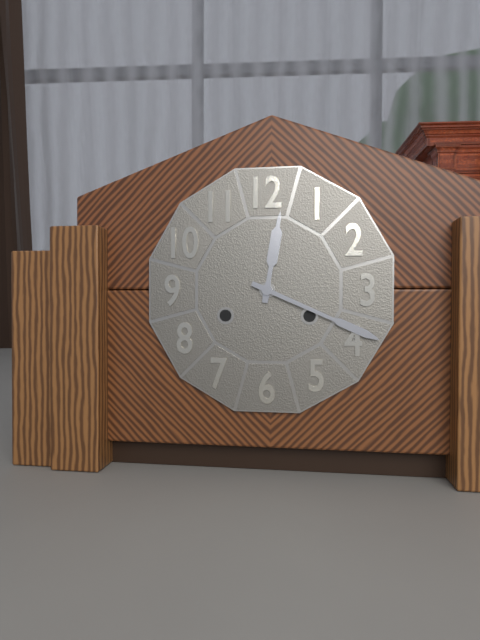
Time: h=12 m=19
